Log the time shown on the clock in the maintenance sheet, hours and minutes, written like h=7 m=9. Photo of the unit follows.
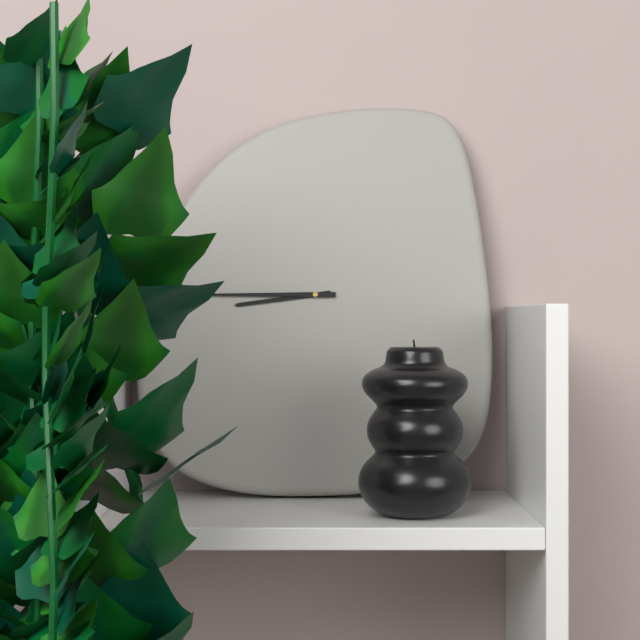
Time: h=8 m=45
